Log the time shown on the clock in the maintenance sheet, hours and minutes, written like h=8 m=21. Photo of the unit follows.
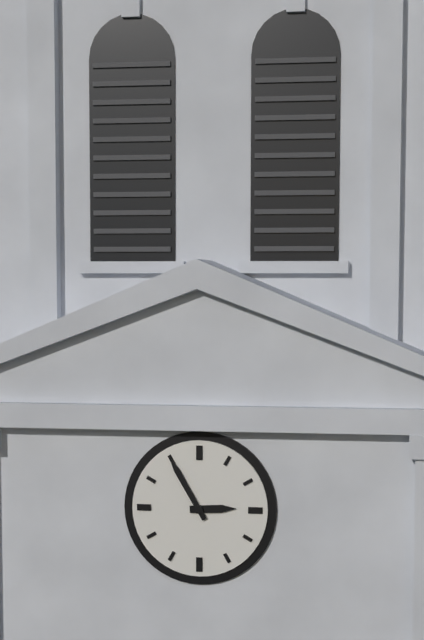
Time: h=2 m=55
